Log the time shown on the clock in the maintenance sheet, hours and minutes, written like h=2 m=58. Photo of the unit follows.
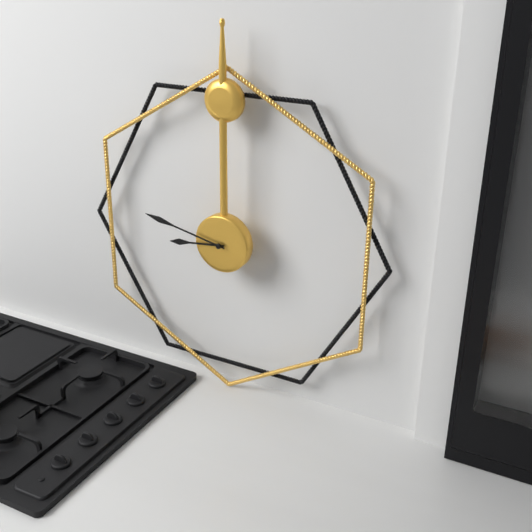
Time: h=8 m=47
